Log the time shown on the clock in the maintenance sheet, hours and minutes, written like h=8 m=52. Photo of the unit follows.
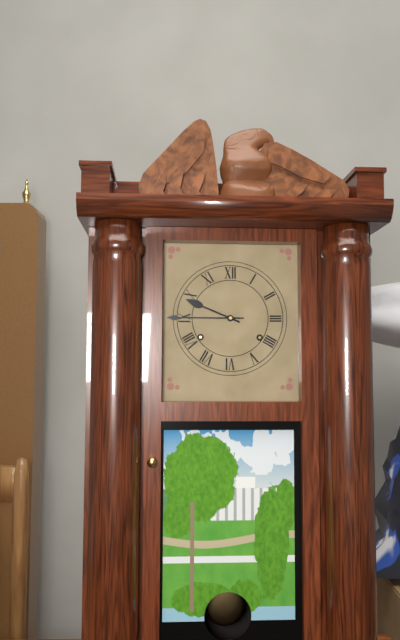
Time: h=9 m=45
